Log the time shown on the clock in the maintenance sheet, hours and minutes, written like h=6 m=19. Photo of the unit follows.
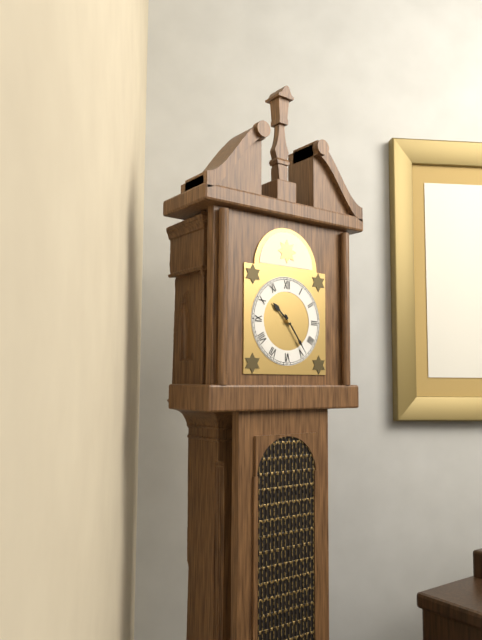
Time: h=10 m=24
